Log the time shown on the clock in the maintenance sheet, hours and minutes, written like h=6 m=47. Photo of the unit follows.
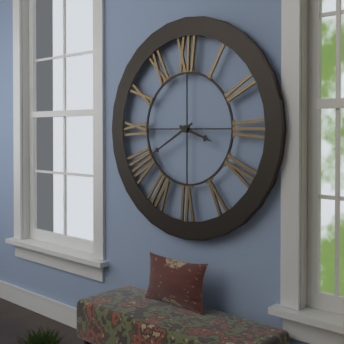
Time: h=3 m=40
